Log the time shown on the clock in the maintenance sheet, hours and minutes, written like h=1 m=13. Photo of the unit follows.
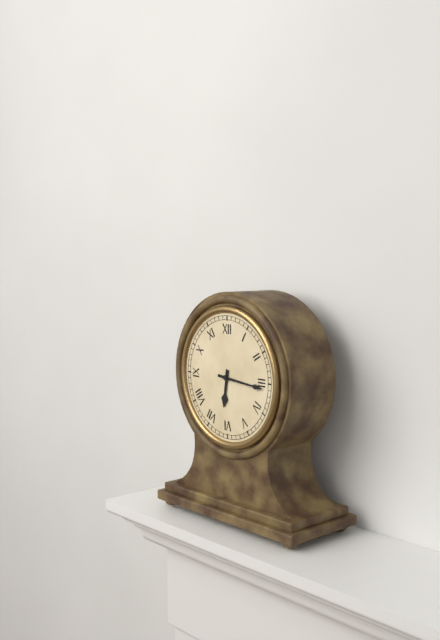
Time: h=6 m=16
